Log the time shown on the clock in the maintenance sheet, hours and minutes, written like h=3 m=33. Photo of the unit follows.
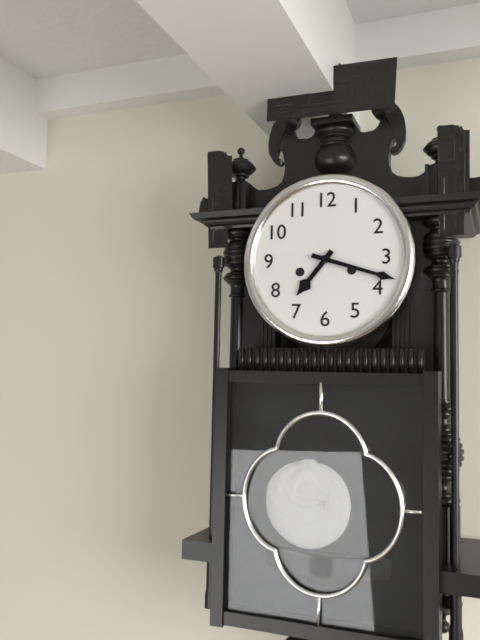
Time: h=7 m=18
